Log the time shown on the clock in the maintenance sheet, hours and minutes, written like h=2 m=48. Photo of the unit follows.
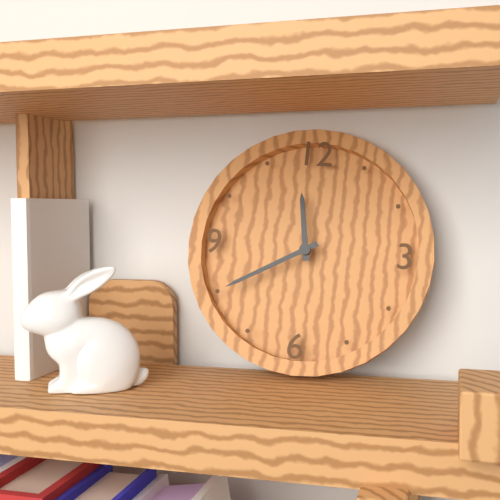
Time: h=11 m=40
